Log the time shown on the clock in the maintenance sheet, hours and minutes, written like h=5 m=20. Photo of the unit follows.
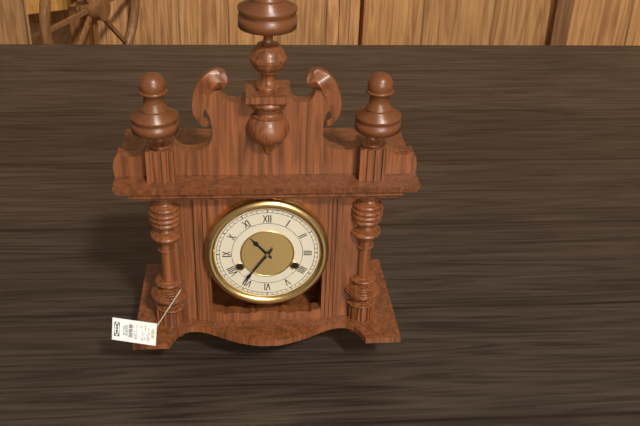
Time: h=10 m=36
